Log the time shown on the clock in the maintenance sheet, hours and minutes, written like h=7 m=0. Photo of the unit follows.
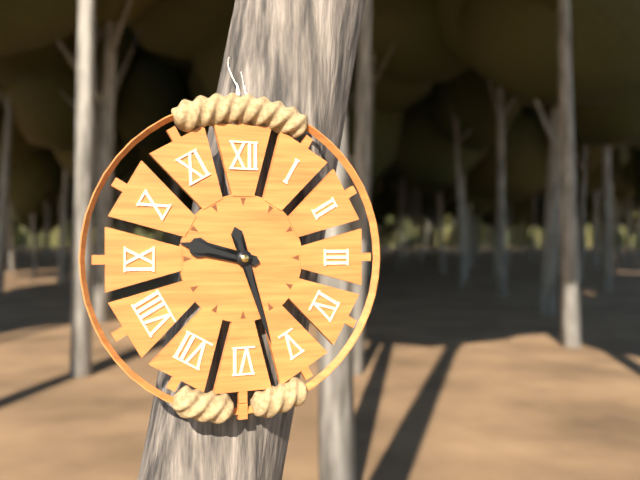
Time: h=9 m=27
